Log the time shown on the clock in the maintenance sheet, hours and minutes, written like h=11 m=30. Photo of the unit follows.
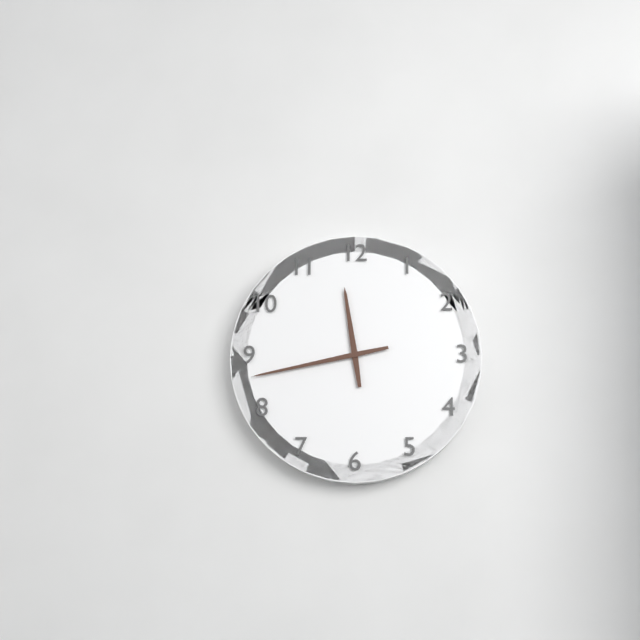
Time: h=11 m=43
